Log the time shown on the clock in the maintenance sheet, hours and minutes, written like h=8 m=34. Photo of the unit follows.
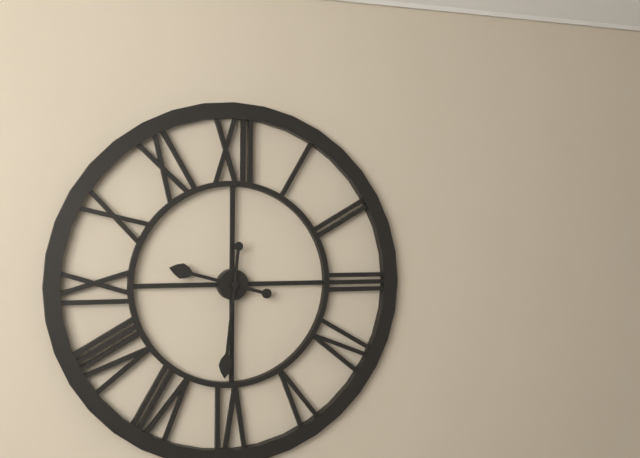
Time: h=9 m=31
